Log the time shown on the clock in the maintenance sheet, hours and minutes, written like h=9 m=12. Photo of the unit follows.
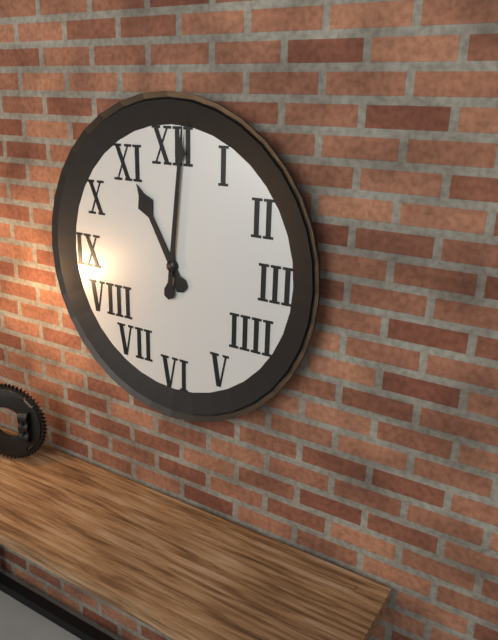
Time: h=11 m=1
